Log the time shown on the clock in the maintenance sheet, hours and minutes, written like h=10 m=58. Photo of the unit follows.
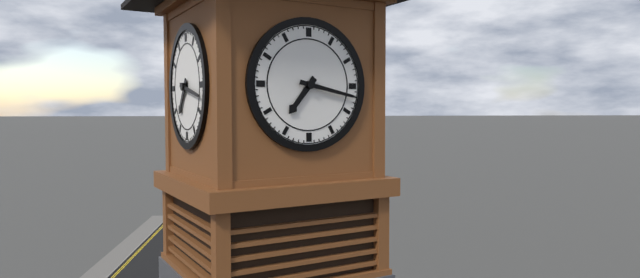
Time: h=7 m=17
